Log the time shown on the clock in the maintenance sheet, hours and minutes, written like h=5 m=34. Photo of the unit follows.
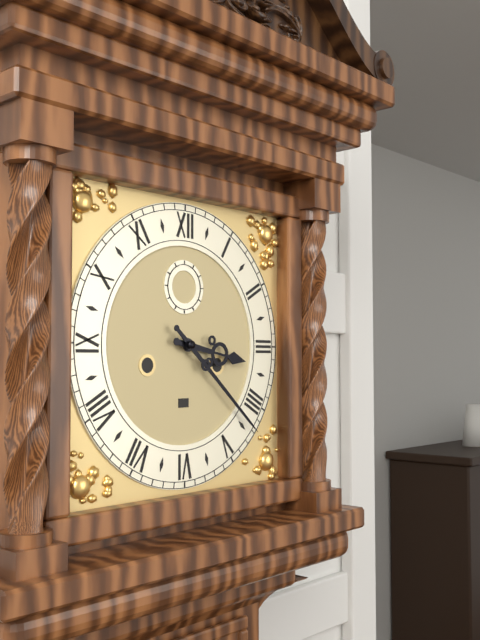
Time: h=3 m=22
